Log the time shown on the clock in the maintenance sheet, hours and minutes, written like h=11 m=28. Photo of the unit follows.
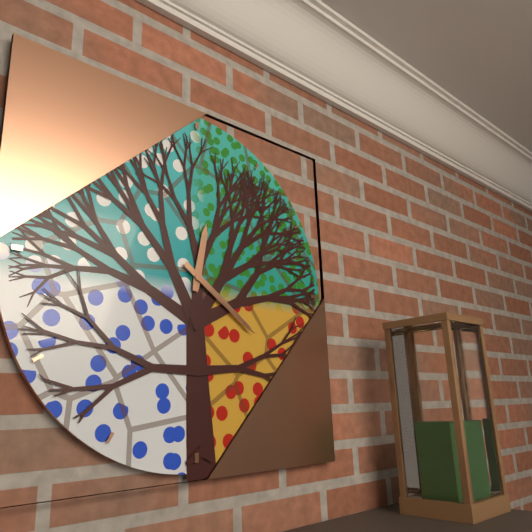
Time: h=12 m=21
